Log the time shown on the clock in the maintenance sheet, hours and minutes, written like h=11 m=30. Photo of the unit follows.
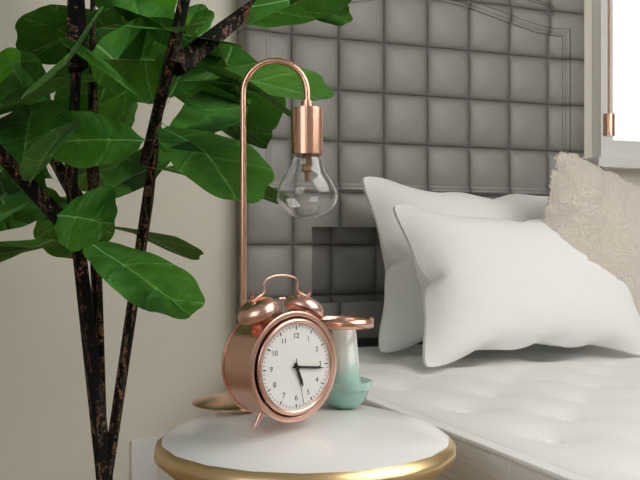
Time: h=5 m=16
